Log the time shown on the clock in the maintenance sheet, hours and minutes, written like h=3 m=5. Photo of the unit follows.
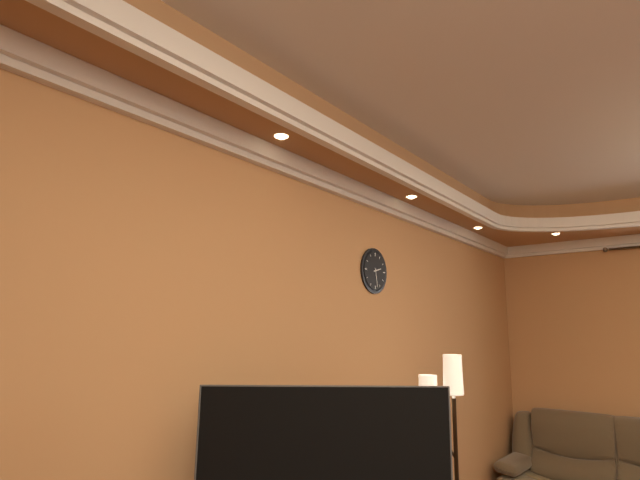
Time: h=2 m=28
